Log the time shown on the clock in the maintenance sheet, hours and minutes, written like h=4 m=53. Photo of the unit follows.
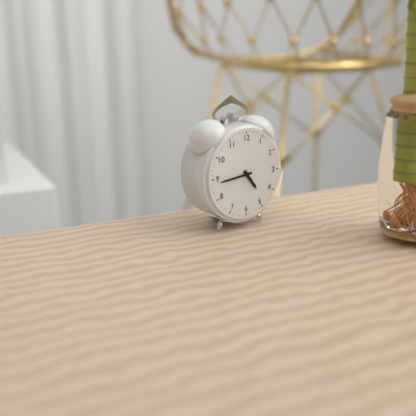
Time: h=4 m=44
